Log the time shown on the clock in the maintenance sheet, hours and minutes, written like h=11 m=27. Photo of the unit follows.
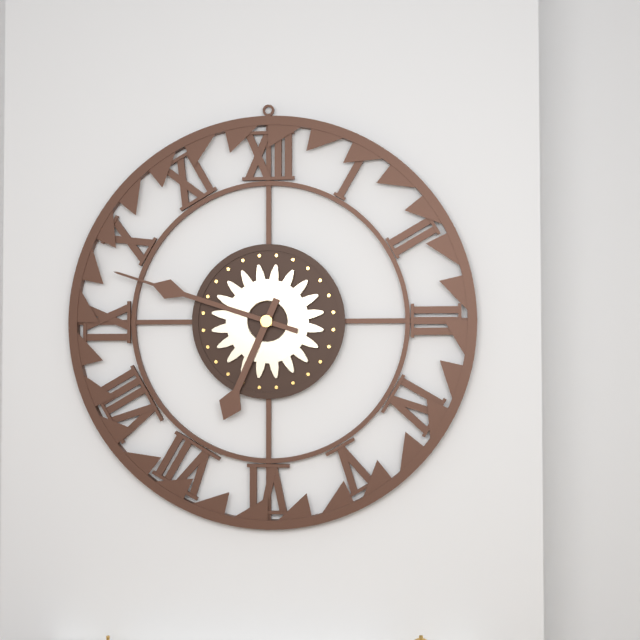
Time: h=6 m=48
